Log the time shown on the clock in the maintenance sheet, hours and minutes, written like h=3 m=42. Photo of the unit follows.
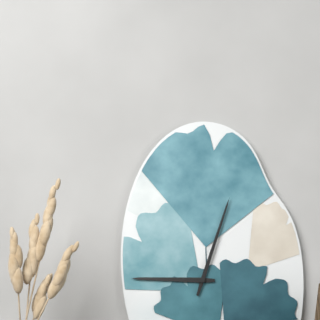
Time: h=9 m=3
